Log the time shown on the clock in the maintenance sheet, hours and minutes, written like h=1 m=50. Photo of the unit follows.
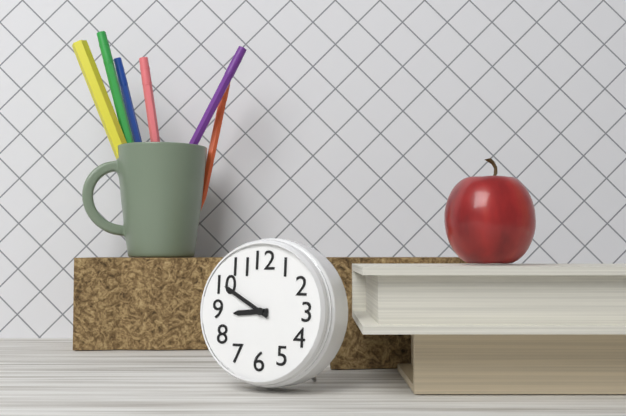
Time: h=8 m=50
